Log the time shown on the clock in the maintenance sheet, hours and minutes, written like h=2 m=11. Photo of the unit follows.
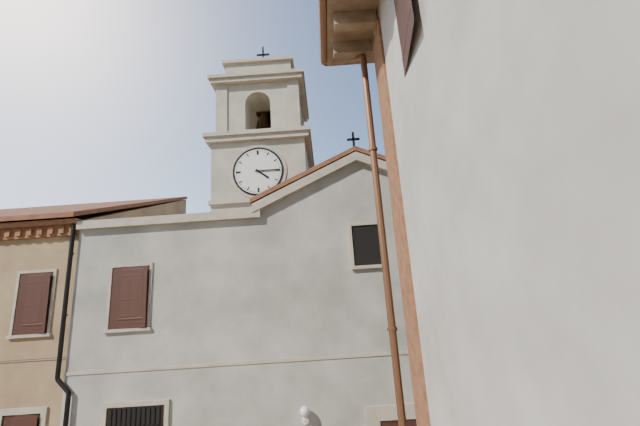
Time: h=4 m=15
